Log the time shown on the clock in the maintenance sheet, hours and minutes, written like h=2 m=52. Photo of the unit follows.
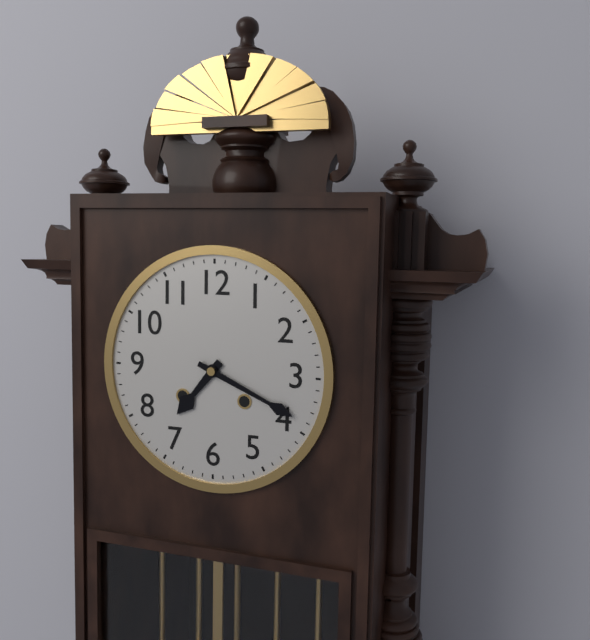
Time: h=7 m=19
